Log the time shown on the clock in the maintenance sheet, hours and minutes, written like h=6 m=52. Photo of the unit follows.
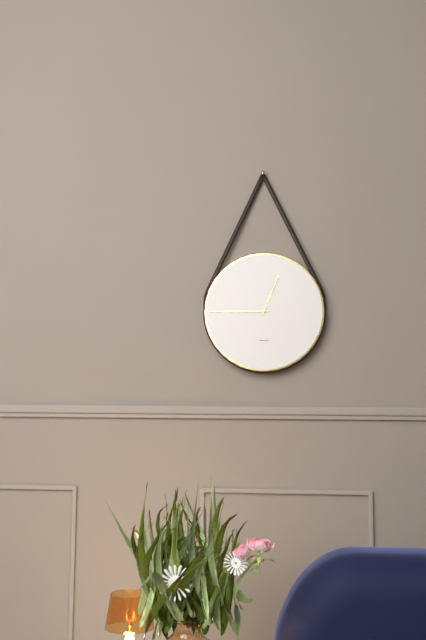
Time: h=12 m=45
